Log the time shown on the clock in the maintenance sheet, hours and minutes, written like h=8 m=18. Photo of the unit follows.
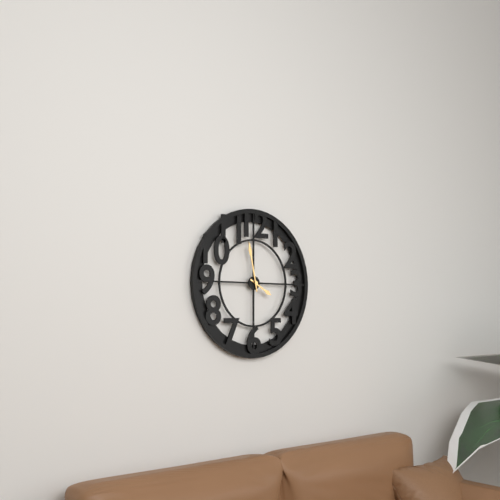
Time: h=3 m=58
